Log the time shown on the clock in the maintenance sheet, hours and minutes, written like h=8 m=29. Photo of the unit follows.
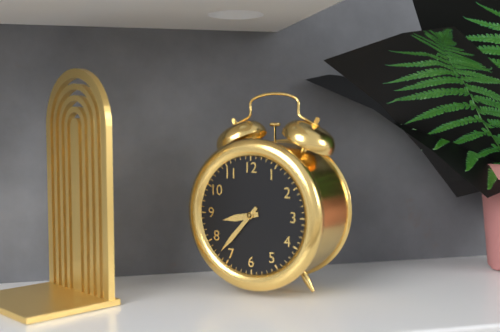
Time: h=8 m=37
